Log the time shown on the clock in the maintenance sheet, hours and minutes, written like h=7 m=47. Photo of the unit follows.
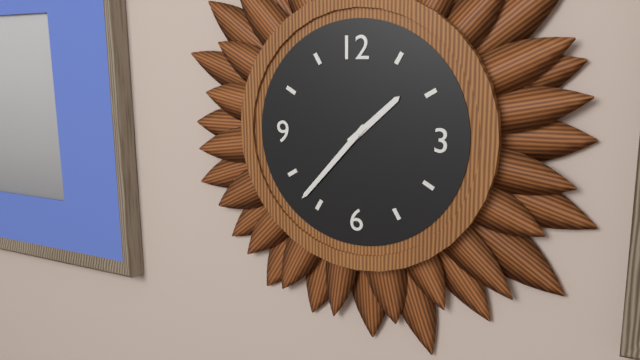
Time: h=1 m=37
